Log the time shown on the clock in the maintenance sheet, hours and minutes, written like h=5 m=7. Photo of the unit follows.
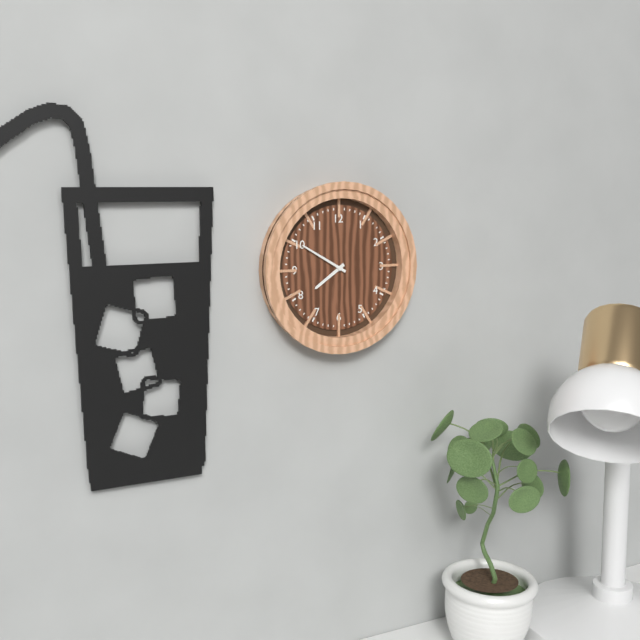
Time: h=7 m=50
